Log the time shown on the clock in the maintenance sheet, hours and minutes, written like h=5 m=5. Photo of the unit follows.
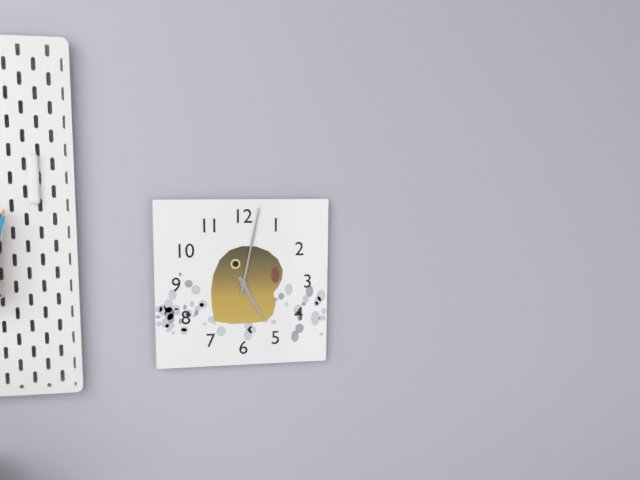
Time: h=5 m=2
